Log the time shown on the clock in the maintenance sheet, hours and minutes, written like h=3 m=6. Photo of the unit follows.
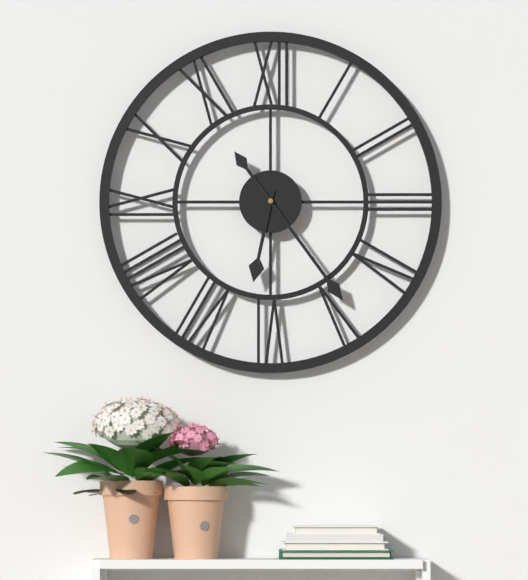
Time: h=6 m=24
